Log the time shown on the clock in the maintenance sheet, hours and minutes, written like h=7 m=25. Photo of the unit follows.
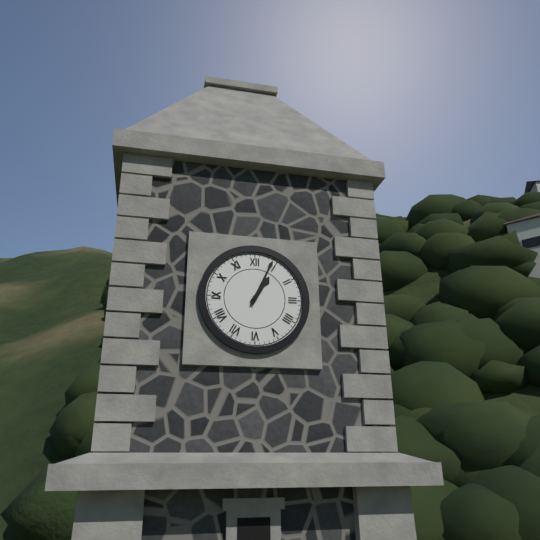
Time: h=1 m=4
